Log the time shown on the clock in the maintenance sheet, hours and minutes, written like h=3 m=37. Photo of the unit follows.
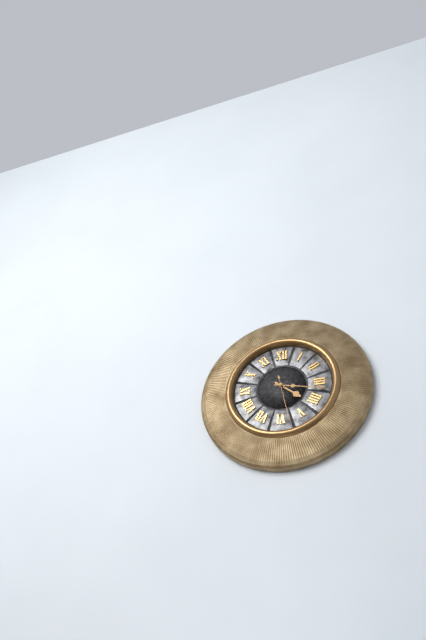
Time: h=4 m=17
